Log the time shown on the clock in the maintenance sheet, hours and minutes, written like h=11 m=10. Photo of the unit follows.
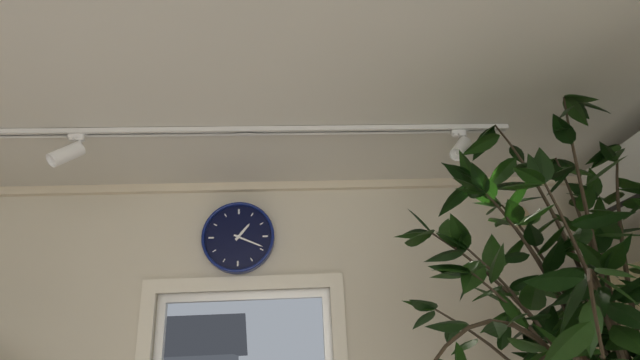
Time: h=1 m=19
